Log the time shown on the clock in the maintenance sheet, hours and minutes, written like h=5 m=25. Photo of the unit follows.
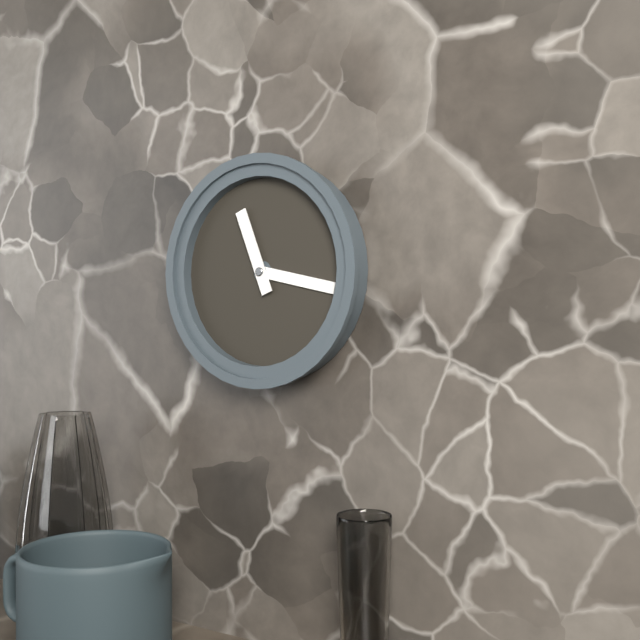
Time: h=11 m=17
